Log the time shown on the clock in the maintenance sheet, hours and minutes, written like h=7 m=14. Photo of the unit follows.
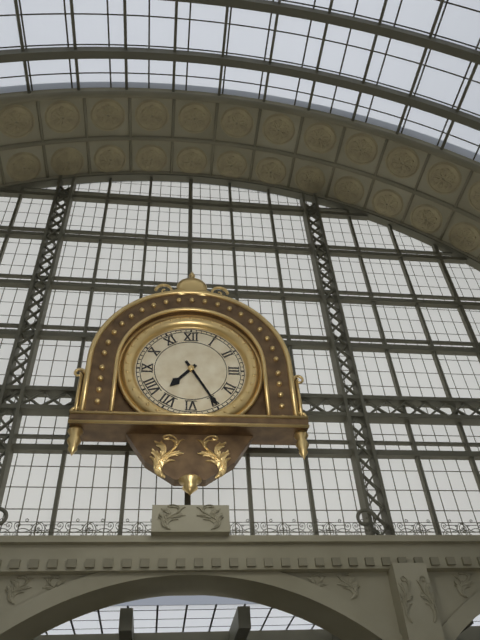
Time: h=7 m=25
